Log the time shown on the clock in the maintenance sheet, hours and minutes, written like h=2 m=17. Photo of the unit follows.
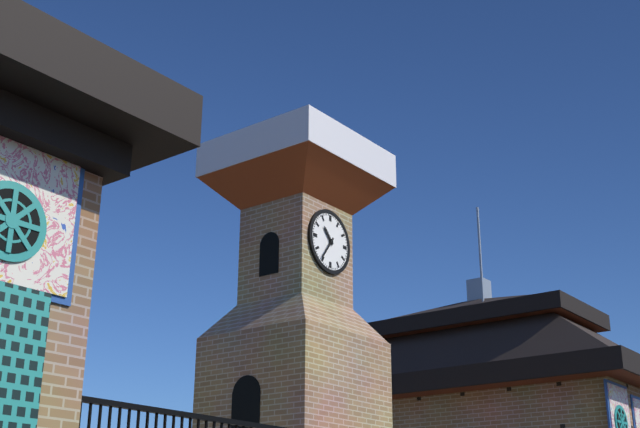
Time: h=10 m=36
